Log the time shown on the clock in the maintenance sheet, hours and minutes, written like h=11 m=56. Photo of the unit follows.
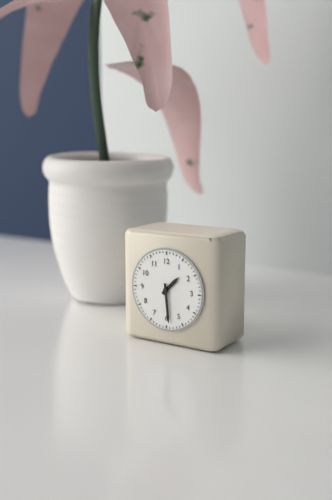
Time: h=1 m=29
